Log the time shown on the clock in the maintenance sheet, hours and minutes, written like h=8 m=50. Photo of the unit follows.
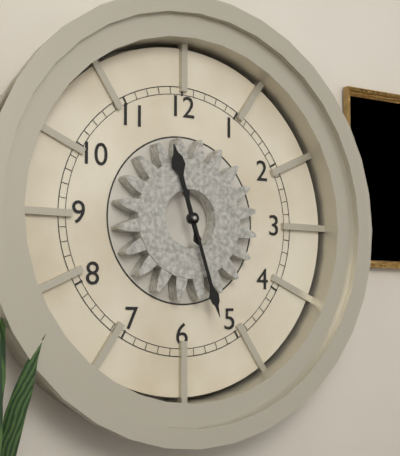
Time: h=11 m=27
